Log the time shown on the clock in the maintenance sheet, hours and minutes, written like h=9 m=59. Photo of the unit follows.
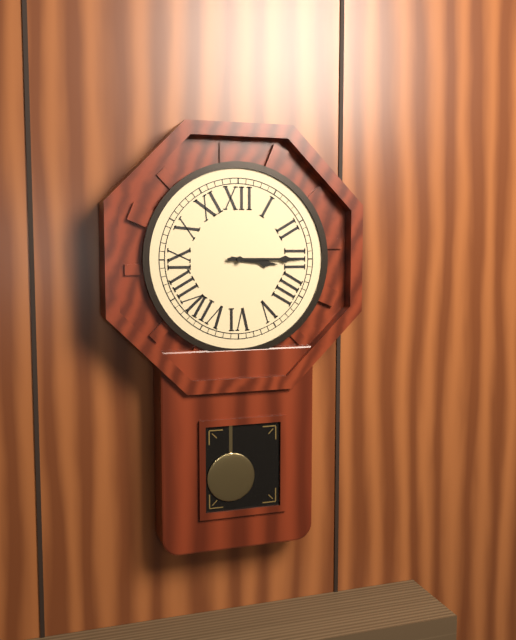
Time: h=3 m=15
